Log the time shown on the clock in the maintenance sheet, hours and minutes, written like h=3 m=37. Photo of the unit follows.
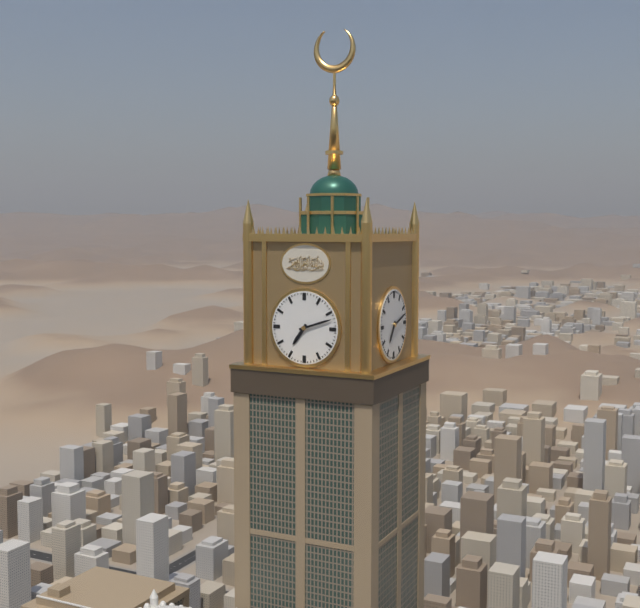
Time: h=7 m=12
